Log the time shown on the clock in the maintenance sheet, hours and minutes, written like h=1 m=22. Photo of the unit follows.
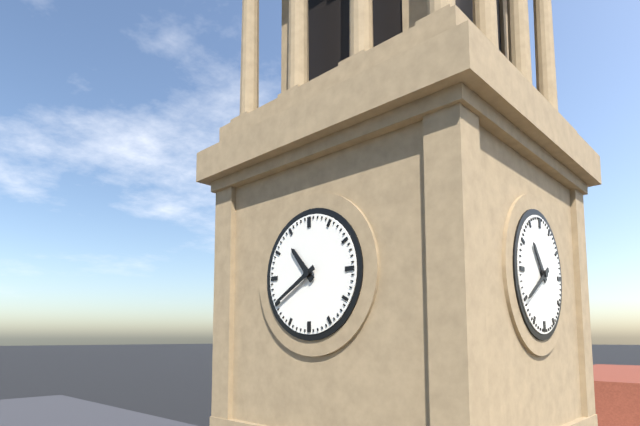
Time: h=10 m=40
